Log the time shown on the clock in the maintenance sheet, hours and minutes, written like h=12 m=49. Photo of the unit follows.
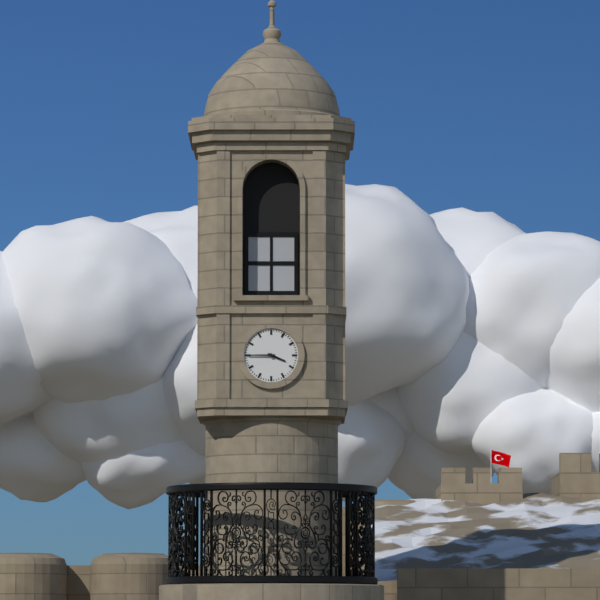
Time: h=3 m=45
